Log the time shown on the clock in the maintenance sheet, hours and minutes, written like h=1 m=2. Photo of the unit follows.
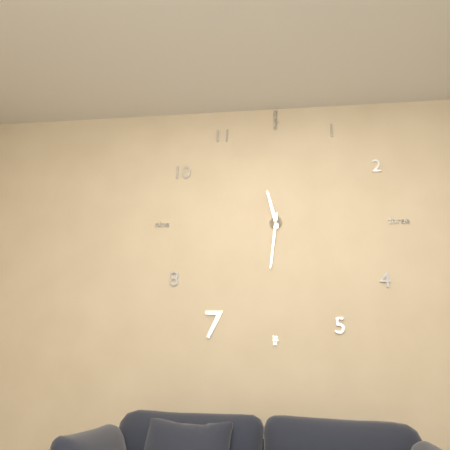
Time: h=11 m=31
